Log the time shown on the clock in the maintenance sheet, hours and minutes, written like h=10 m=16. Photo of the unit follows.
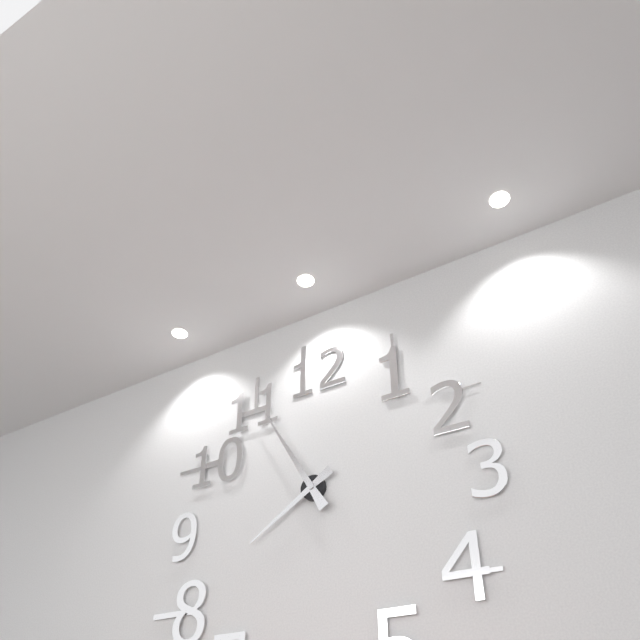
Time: h=7 m=55
